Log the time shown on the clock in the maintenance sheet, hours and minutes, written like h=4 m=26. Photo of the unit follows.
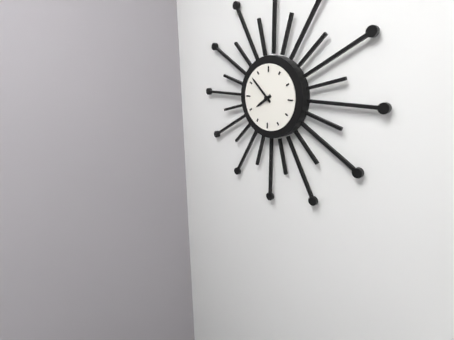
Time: h=7 m=52
